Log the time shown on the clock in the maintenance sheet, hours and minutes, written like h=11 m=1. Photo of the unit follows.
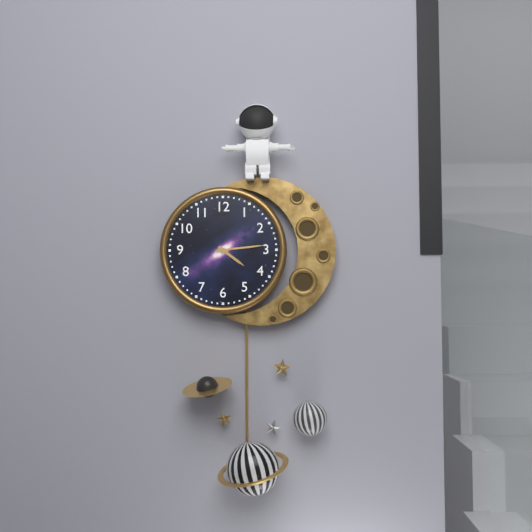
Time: h=4 m=14
